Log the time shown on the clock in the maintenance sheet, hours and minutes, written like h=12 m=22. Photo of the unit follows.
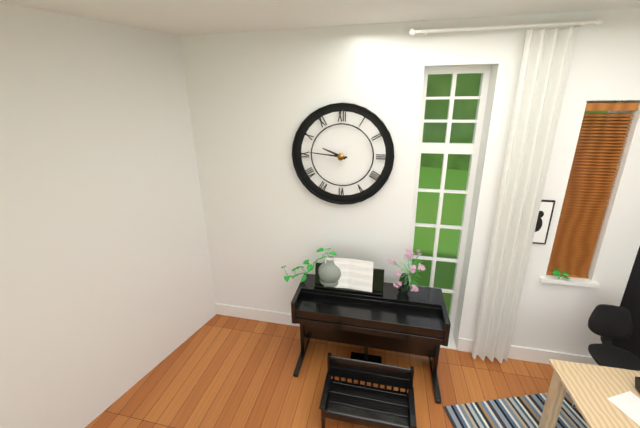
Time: h=9 m=46
